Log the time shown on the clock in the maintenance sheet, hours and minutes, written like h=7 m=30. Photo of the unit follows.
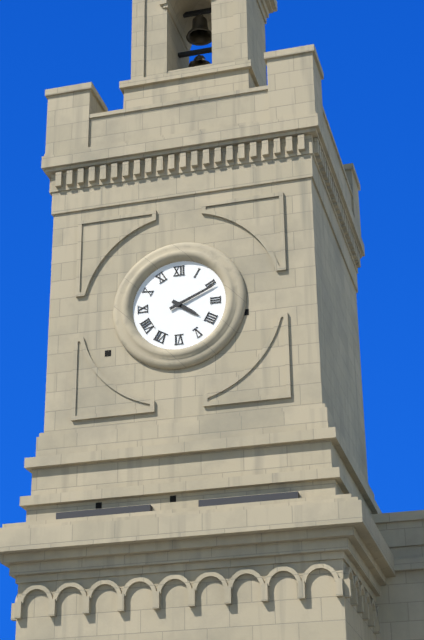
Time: h=4 m=11
